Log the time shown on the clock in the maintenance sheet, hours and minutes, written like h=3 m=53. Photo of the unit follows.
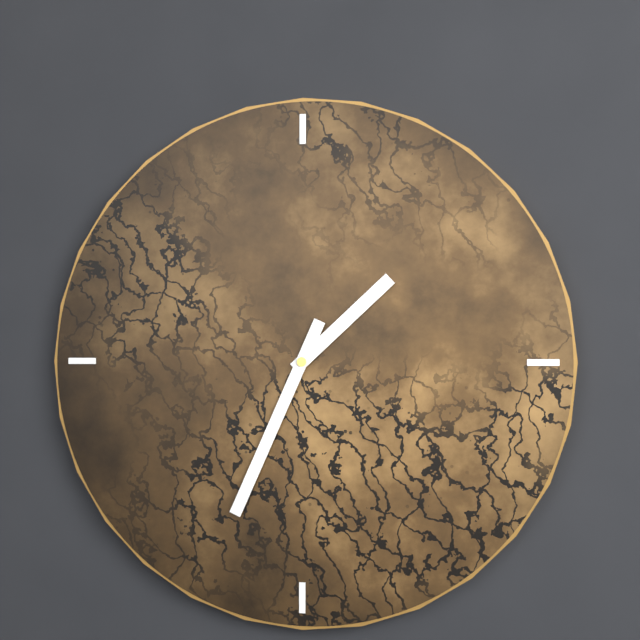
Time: h=1 m=34
